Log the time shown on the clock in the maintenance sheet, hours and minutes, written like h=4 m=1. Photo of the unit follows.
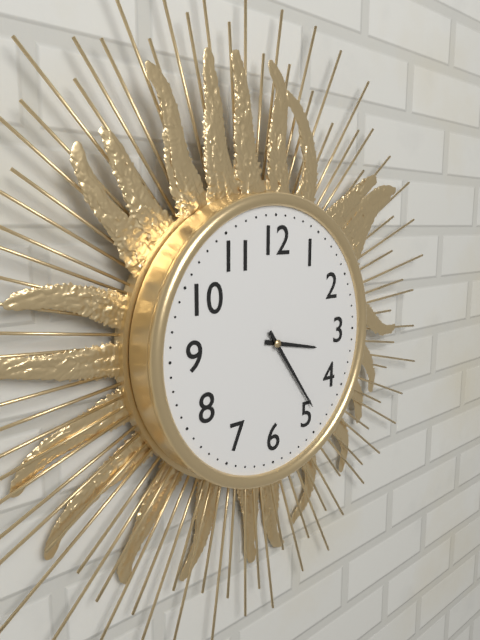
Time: h=3 m=24
